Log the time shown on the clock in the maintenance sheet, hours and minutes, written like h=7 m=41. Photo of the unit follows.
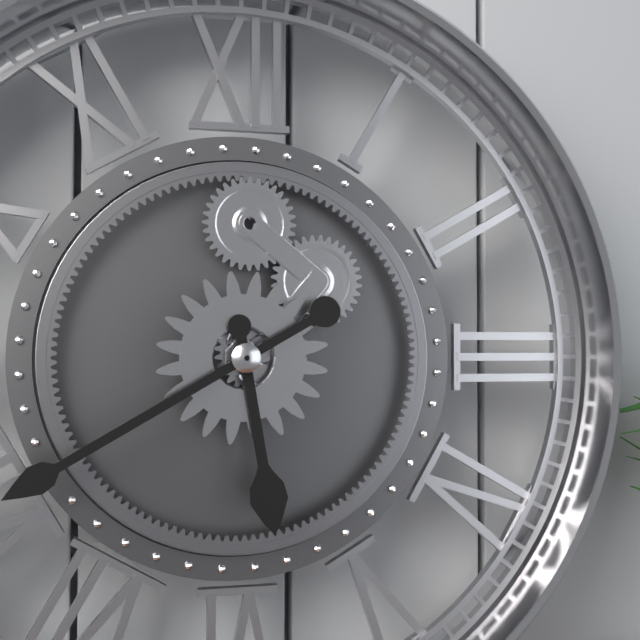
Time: h=5 m=40
